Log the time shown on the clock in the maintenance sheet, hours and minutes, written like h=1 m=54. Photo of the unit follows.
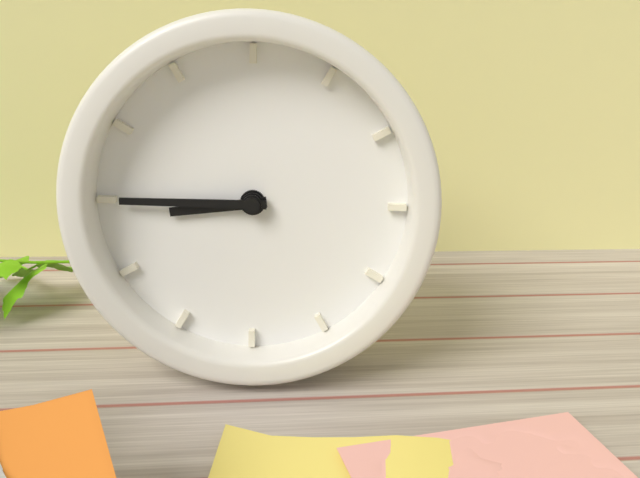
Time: h=8 m=45
